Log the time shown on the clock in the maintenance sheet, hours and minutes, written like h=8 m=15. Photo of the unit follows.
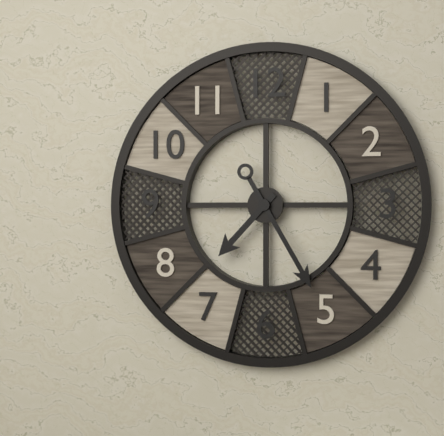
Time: h=7 m=25
